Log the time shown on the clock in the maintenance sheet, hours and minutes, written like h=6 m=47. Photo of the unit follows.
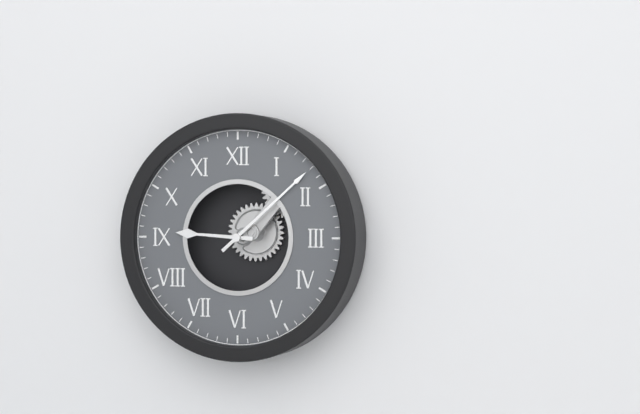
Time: h=9 m=8
